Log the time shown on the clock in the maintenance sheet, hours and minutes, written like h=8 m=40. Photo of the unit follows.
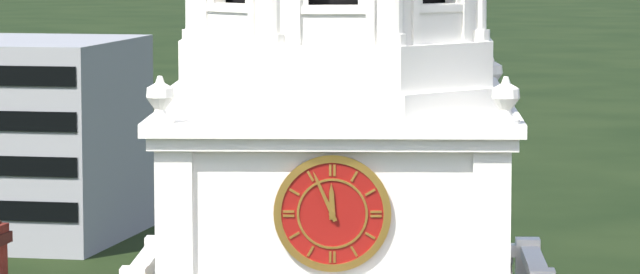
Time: h=11 m=56
